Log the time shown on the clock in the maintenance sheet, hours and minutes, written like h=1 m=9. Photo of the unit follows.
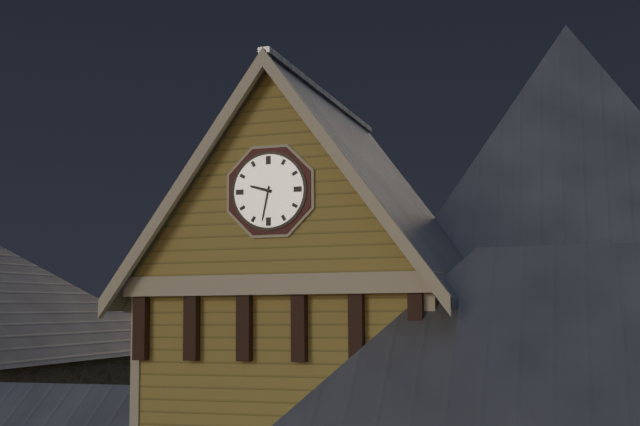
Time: h=9 m=32
